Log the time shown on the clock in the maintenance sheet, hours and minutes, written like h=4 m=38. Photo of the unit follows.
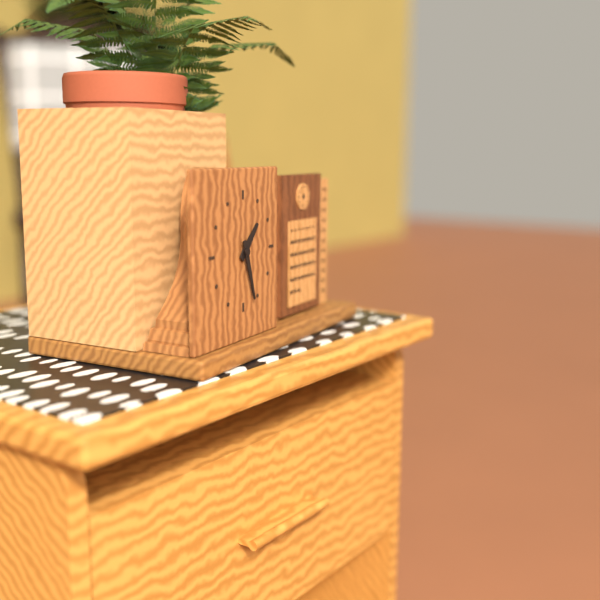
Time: h=1 m=27
